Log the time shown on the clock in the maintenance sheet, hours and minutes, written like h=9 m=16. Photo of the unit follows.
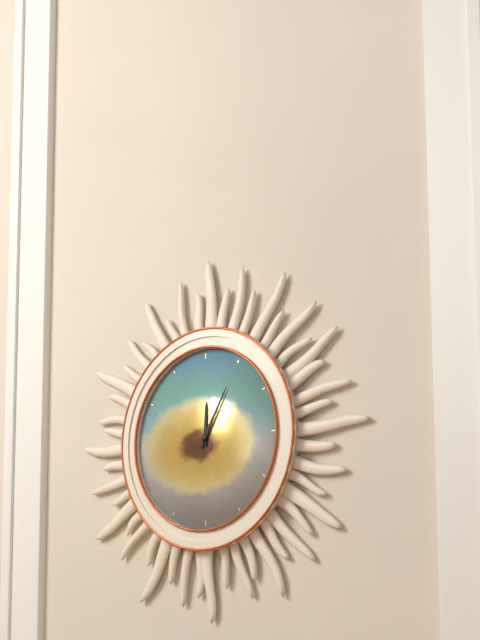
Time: h=12 m=5
